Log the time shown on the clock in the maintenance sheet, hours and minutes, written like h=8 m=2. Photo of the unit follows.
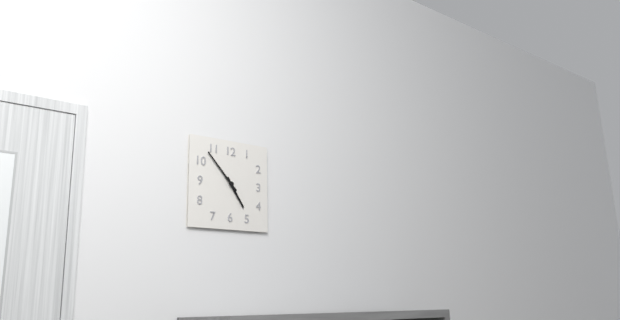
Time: h=4 m=53
